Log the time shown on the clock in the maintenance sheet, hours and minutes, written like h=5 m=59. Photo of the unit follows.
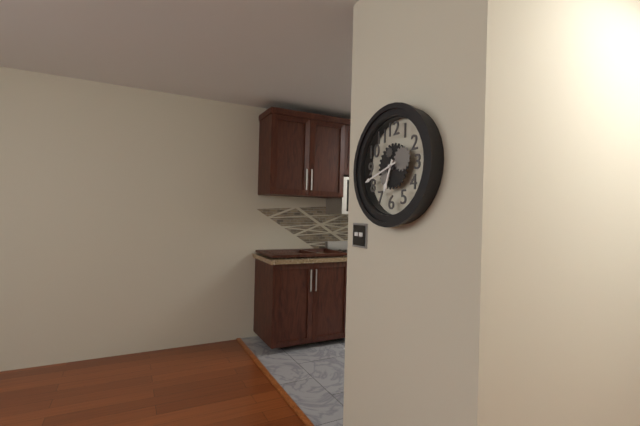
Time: h=6 m=42
